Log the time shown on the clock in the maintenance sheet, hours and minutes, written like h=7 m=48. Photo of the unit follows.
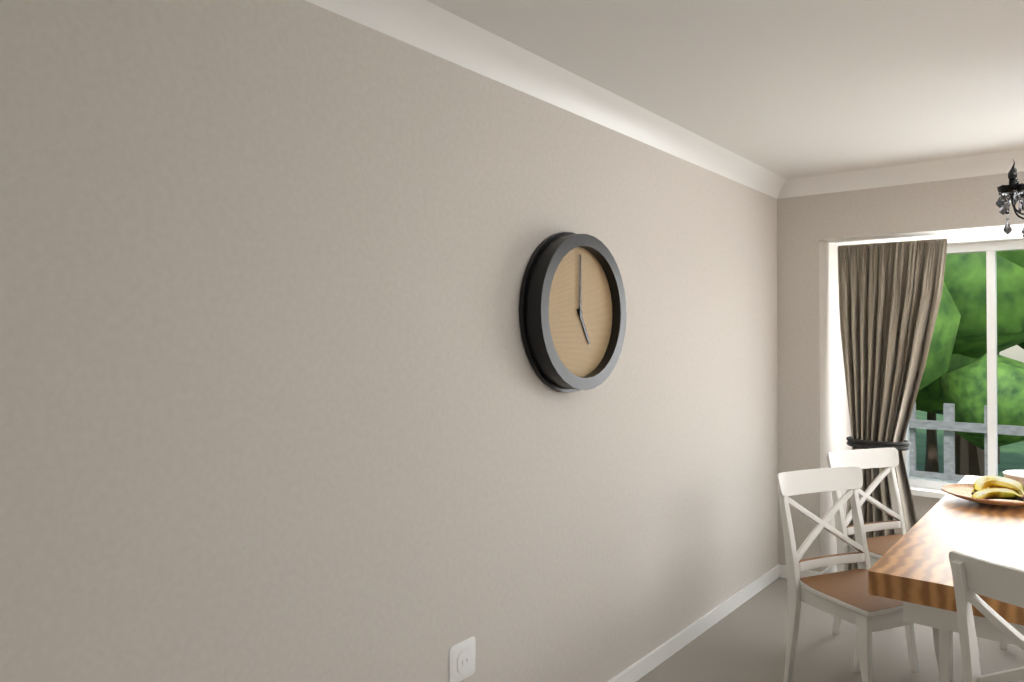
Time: h=5 m=0
